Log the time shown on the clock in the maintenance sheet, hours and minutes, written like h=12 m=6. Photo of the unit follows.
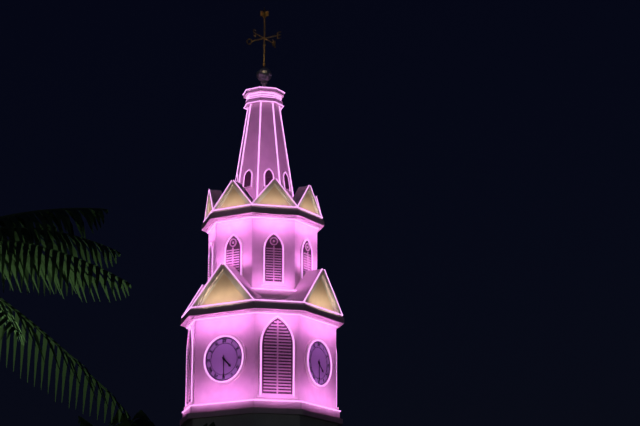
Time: h=4 m=30
